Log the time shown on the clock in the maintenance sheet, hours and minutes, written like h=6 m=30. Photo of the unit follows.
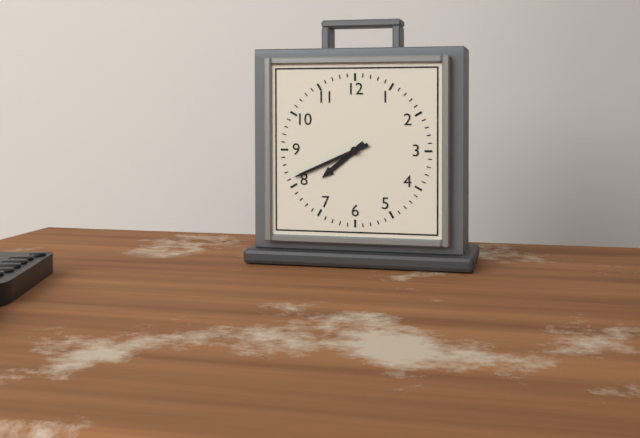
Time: h=7 m=41
